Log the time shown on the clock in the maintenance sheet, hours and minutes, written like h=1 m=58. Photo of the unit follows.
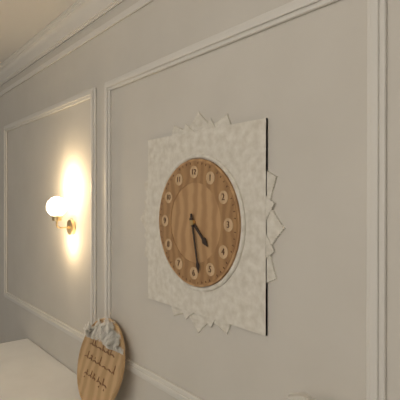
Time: h=4 m=28
